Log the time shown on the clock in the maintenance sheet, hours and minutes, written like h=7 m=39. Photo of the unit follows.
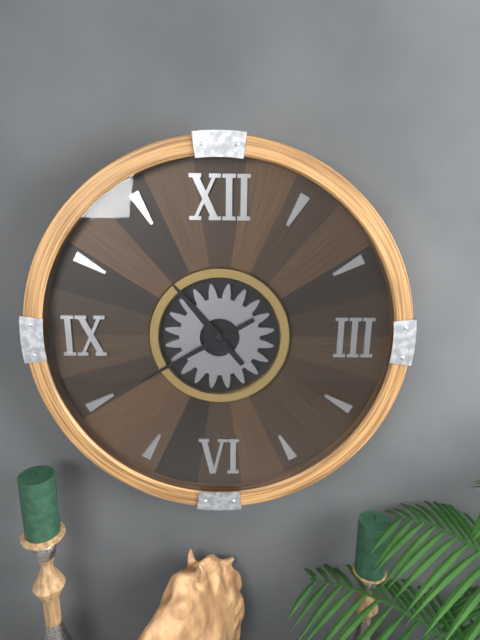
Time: h=10 m=40
